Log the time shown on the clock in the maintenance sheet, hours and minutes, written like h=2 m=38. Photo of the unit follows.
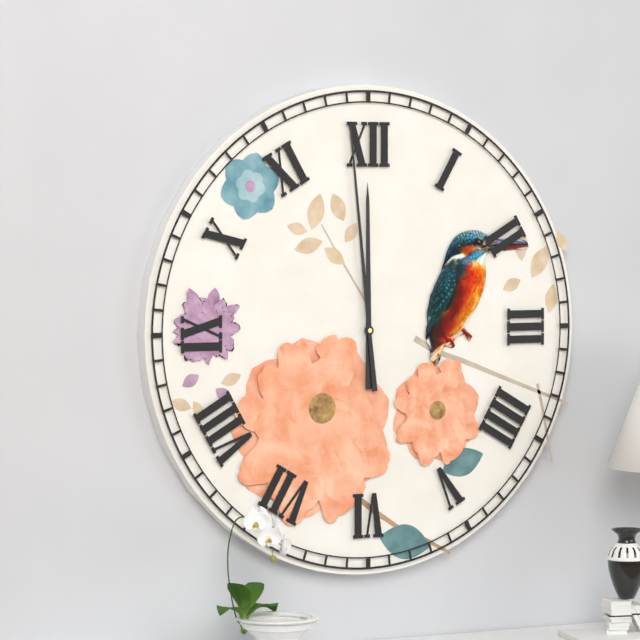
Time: h=11 m=59
